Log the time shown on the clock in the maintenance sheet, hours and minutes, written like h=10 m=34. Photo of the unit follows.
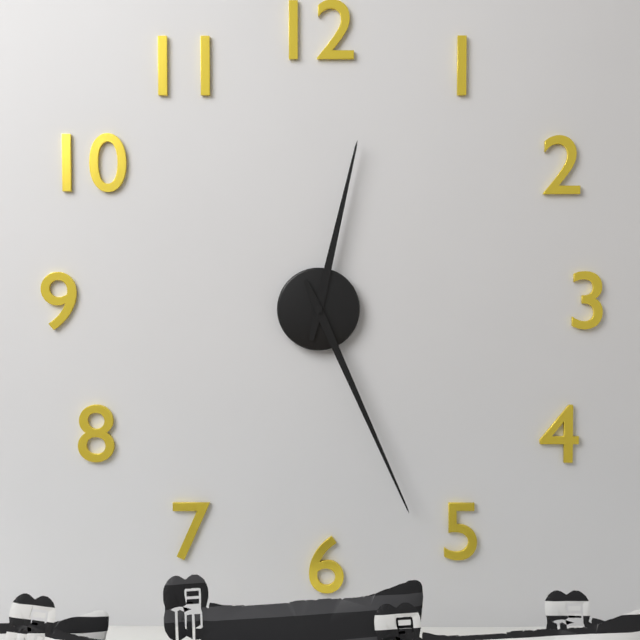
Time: h=12 m=26
